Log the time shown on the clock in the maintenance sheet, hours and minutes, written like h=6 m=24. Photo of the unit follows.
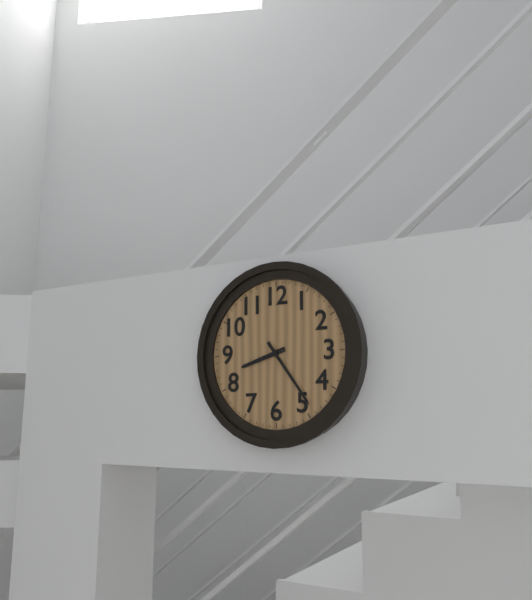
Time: h=8 m=24
